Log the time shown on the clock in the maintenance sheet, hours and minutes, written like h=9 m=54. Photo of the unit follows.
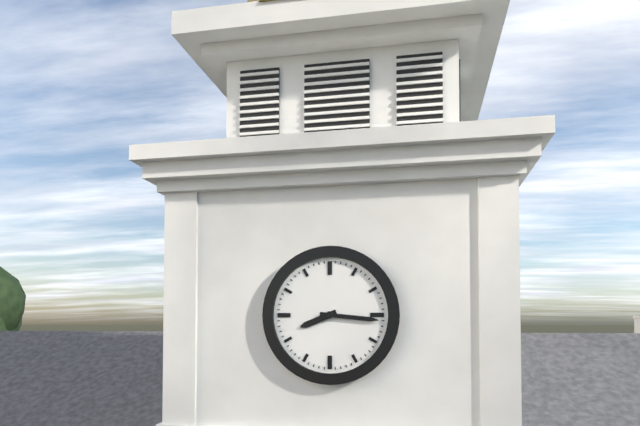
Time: h=8 m=16
